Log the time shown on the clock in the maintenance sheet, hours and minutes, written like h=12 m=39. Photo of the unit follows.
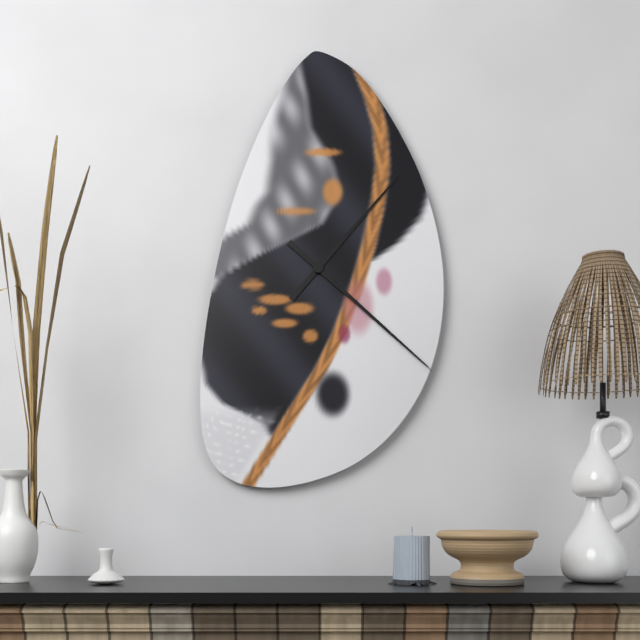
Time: h=1 m=22
